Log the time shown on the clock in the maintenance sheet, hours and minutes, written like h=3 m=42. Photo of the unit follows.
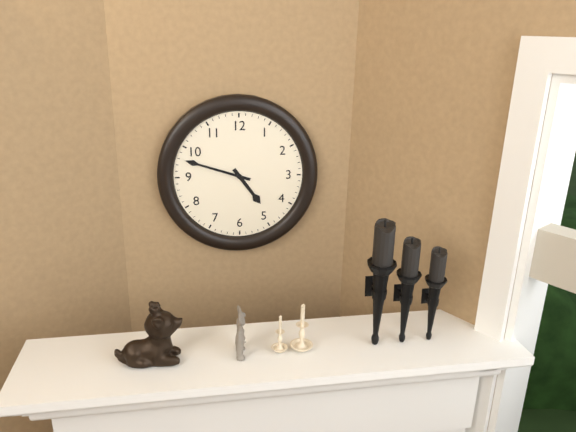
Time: h=4 m=48
